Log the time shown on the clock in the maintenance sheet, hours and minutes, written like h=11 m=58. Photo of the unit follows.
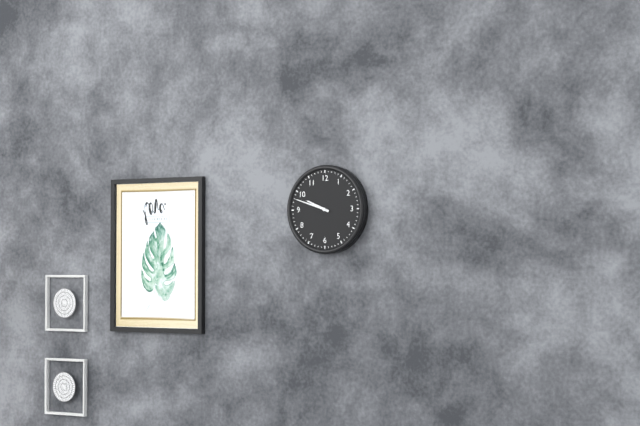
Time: h=9 m=48
